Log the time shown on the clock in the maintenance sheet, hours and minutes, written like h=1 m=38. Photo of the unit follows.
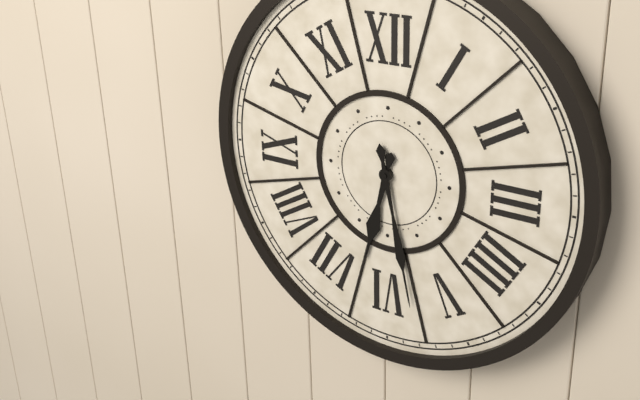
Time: h=6 m=28
